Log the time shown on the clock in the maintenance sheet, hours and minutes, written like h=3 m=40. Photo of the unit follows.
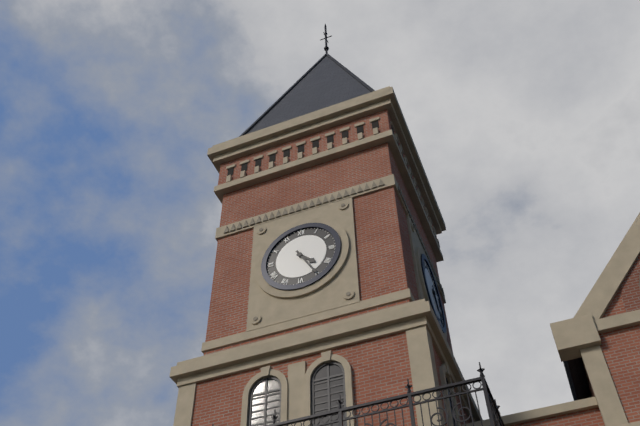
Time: h=4 m=25
